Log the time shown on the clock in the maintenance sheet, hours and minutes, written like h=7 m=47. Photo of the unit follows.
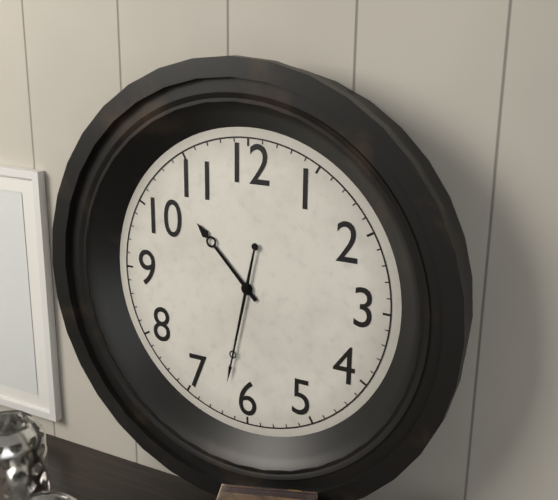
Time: h=10 m=32
